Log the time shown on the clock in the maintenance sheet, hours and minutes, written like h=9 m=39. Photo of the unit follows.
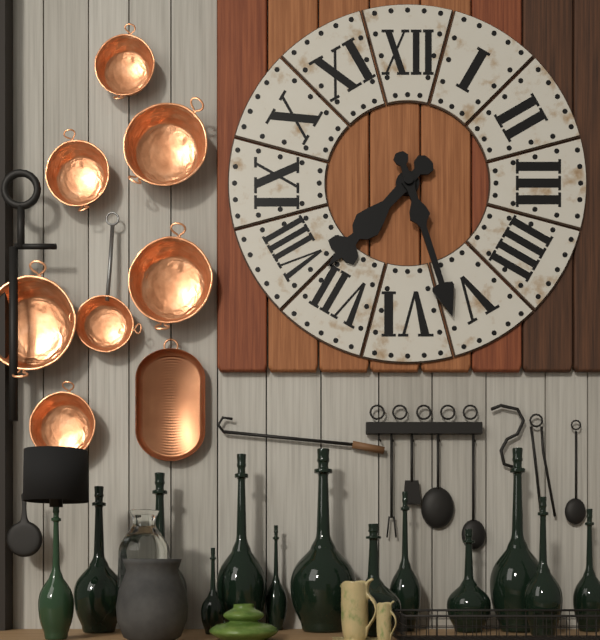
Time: h=7 m=27
